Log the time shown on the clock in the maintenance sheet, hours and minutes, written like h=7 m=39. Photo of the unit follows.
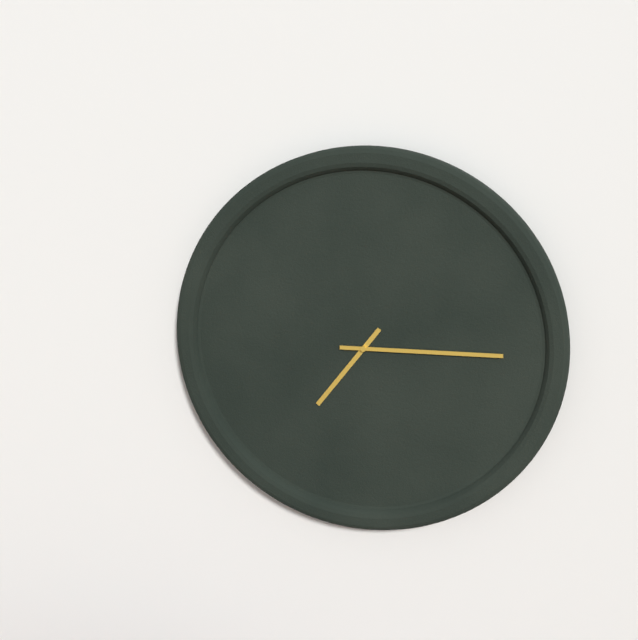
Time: h=7 m=15
